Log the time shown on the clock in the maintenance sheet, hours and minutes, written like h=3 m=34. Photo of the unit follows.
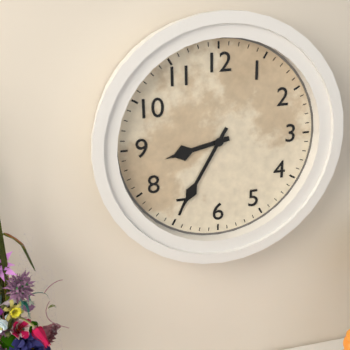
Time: h=8 m=35
